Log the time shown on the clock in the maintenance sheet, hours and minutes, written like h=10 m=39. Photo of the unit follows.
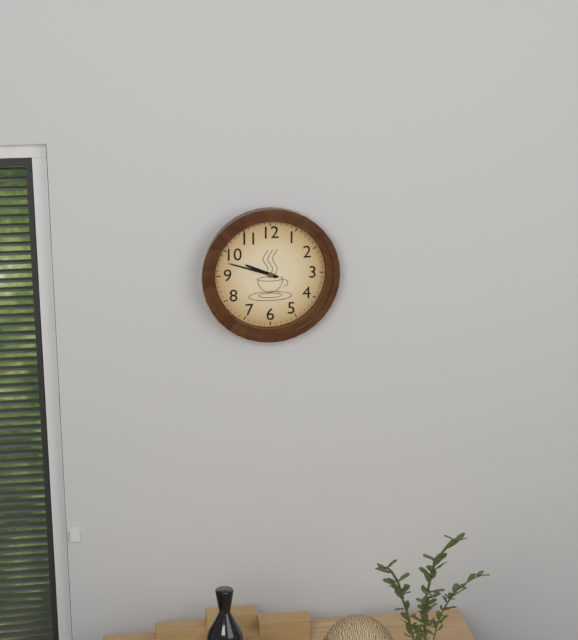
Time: h=9 m=48
